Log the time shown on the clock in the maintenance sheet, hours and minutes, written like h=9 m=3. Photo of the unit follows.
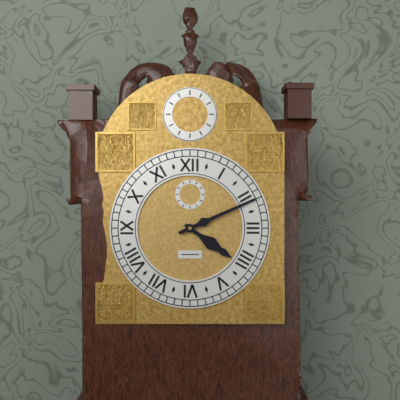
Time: h=4 m=11
